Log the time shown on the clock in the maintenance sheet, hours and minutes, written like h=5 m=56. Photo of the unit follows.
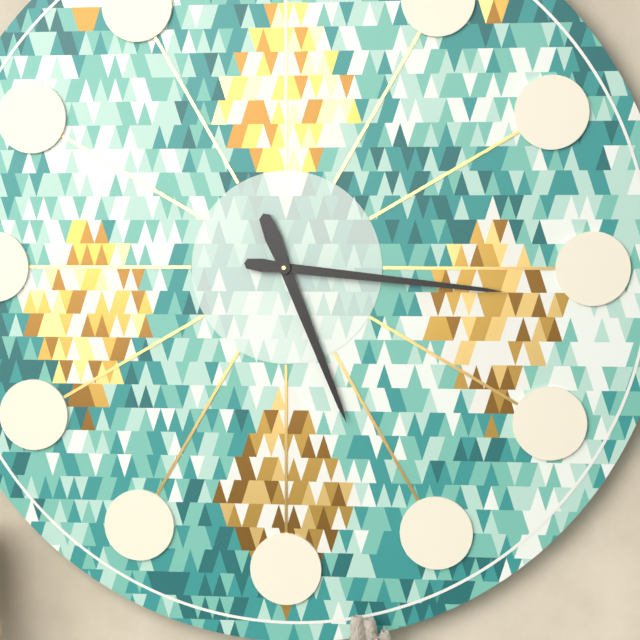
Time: h=5 m=16
